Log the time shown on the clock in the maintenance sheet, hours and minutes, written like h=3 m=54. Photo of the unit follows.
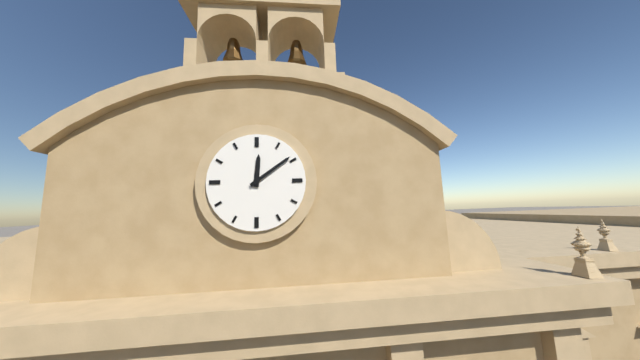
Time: h=12 m=9
